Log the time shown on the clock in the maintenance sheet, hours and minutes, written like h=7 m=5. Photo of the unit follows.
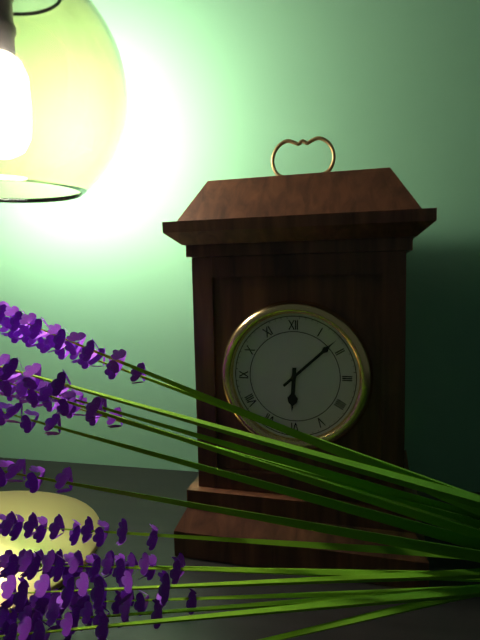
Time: h=6 m=8
